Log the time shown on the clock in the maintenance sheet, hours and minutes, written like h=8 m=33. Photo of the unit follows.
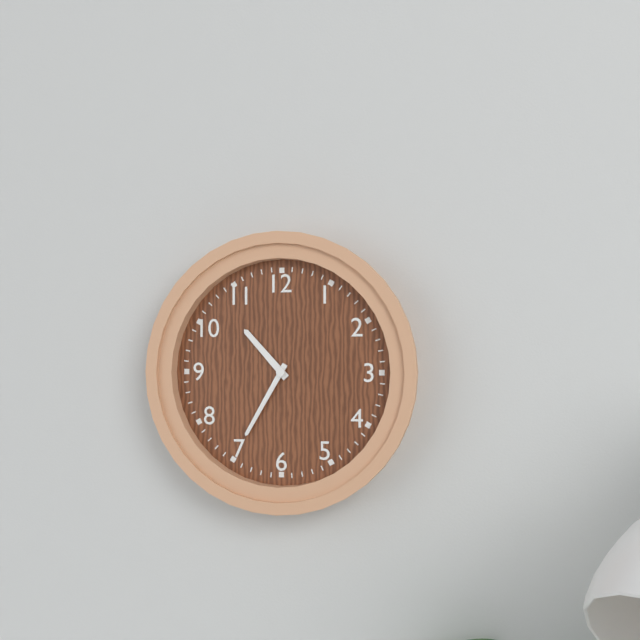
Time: h=10 m=35
